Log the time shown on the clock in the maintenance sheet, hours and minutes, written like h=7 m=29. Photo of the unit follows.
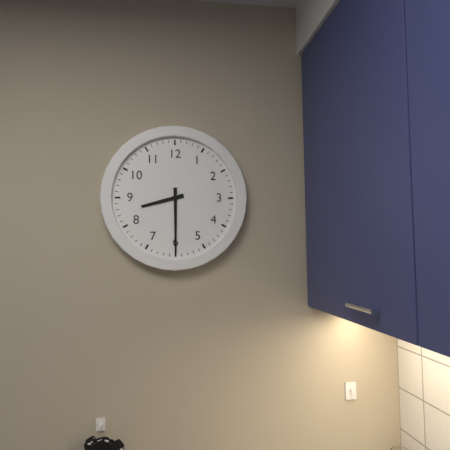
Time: h=8 m=30
